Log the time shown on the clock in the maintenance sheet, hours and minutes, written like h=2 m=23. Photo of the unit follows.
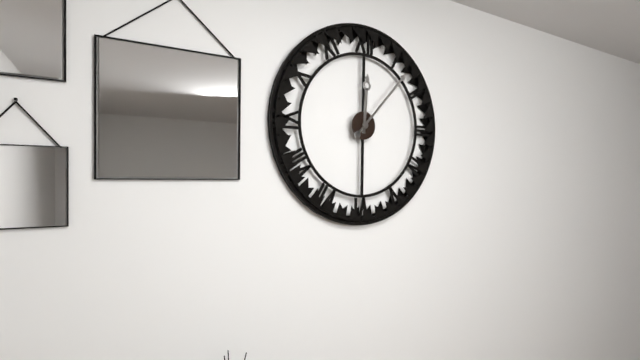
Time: h=12 m=7
